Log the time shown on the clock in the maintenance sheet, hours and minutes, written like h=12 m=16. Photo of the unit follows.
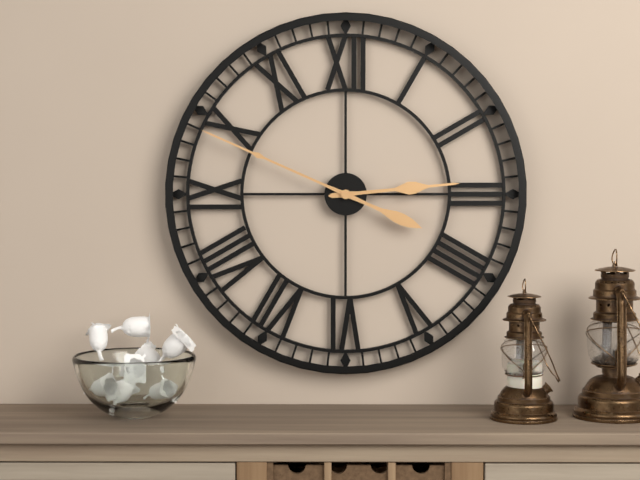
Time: h=2 m=49
